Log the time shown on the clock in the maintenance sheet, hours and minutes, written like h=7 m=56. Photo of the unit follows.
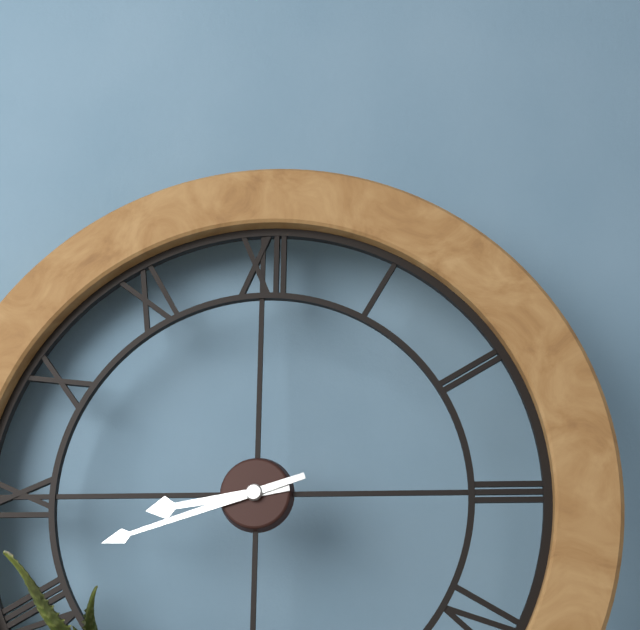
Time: h=8 m=42
